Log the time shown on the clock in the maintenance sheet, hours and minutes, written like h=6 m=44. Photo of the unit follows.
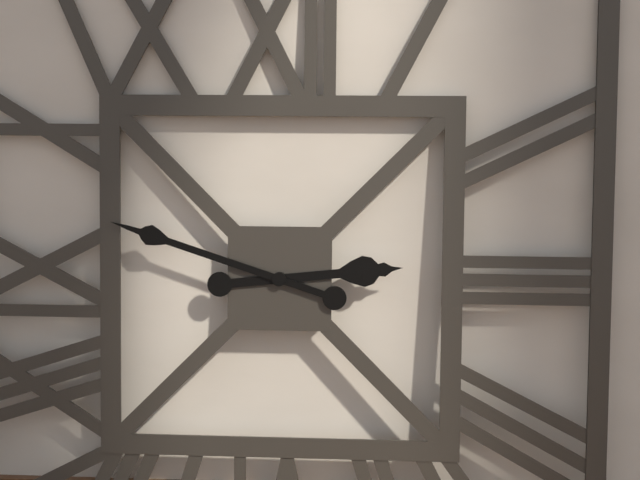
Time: h=2 m=48
